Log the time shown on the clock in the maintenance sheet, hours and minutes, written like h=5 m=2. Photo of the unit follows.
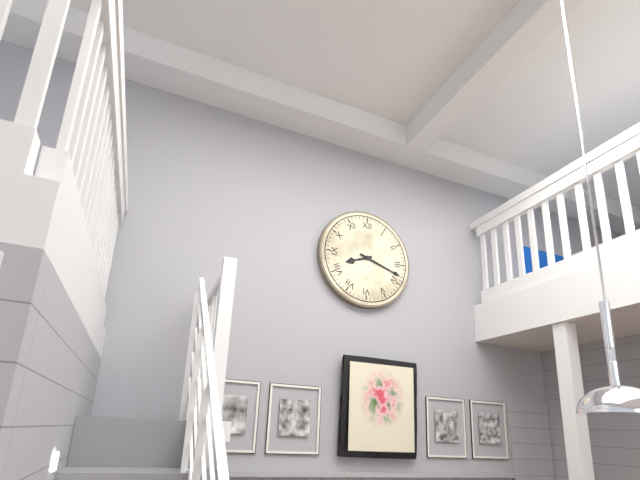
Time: h=8 m=18
